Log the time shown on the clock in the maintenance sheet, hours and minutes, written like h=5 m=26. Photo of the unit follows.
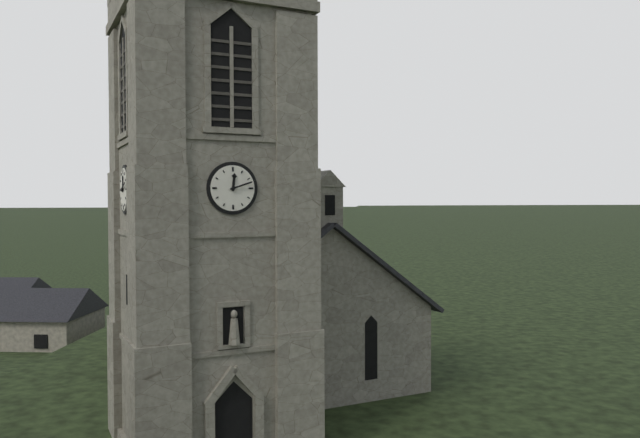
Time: h=12 m=12
